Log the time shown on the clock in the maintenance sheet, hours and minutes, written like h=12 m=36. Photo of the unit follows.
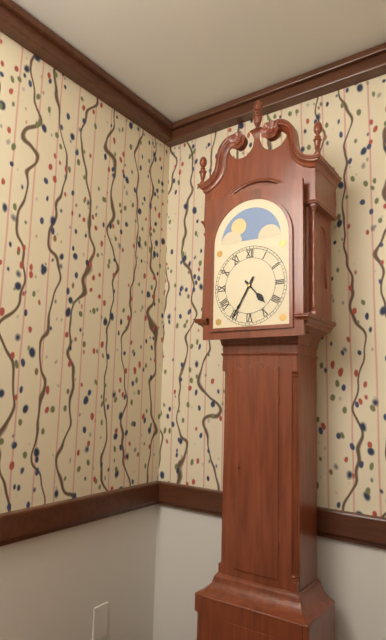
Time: h=4 m=35
